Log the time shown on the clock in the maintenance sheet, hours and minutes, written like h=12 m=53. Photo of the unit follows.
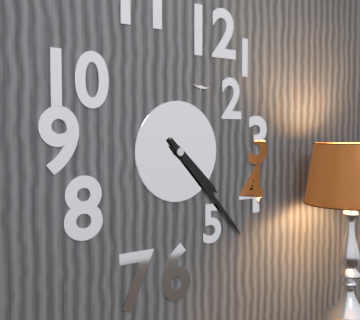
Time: h=4 m=23
